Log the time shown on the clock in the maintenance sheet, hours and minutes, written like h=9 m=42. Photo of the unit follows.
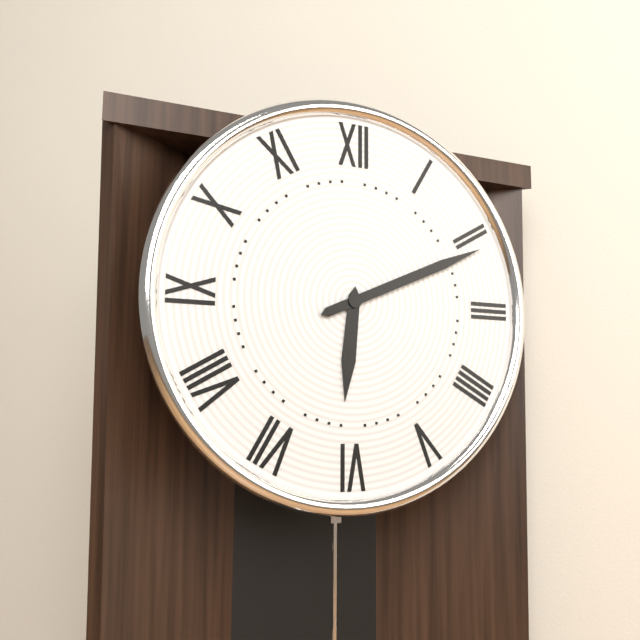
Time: h=6 m=11
